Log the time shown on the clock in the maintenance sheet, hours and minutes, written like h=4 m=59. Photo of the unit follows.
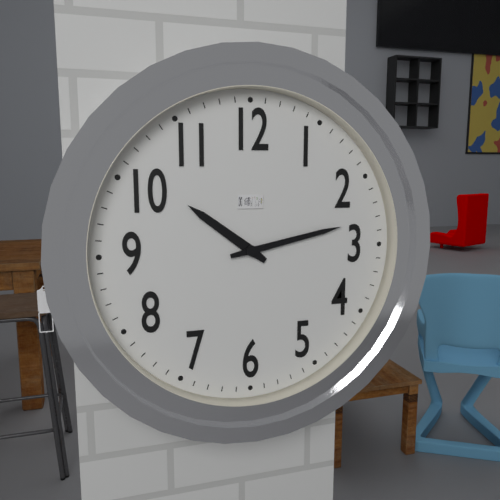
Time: h=10 m=13
